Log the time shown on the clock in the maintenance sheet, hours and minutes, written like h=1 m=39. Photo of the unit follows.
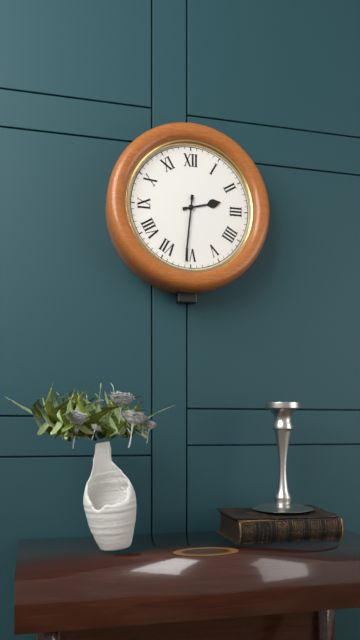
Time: h=2 m=31
